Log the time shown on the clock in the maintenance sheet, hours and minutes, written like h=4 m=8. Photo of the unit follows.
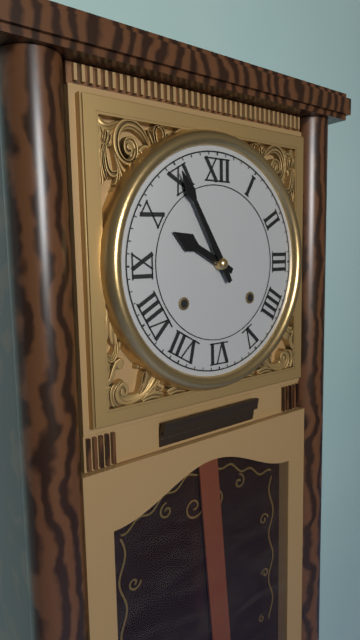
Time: h=9 m=55
